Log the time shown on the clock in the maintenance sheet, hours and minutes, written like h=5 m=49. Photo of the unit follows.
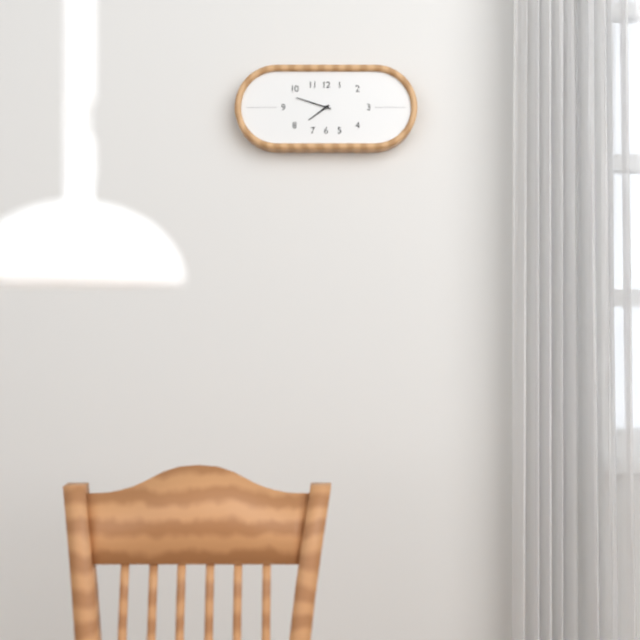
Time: h=7 m=48
